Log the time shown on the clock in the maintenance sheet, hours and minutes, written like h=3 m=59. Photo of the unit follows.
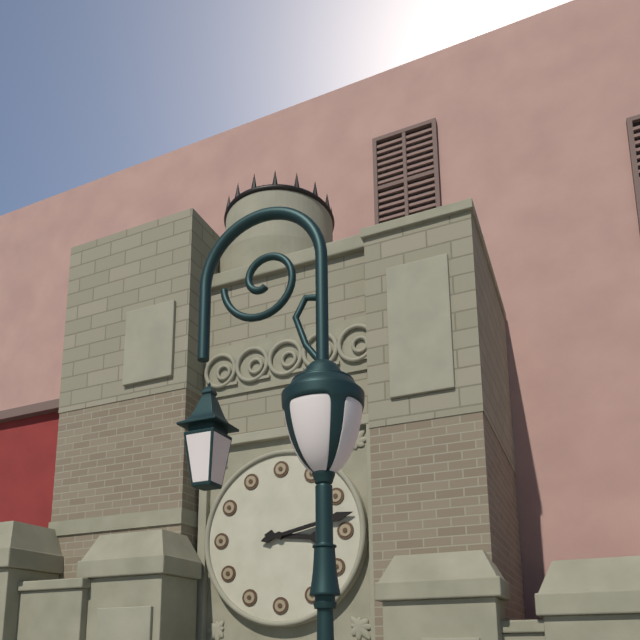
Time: h=3 m=13
